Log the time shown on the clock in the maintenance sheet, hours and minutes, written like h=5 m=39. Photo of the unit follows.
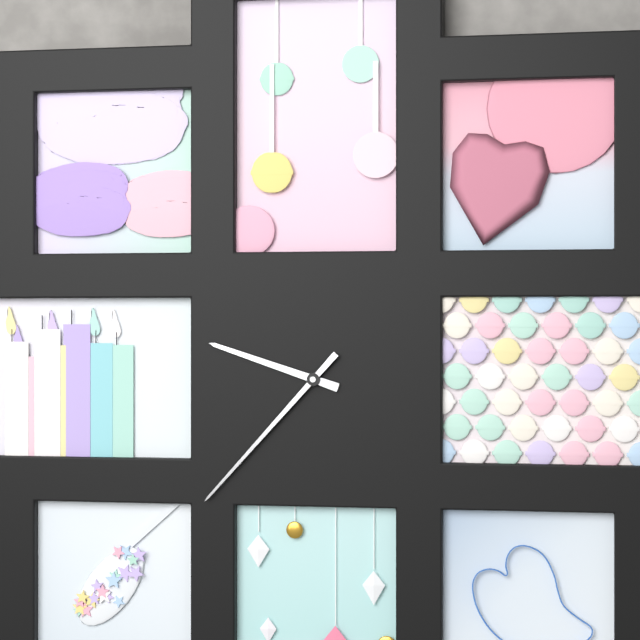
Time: h=9 m=37
